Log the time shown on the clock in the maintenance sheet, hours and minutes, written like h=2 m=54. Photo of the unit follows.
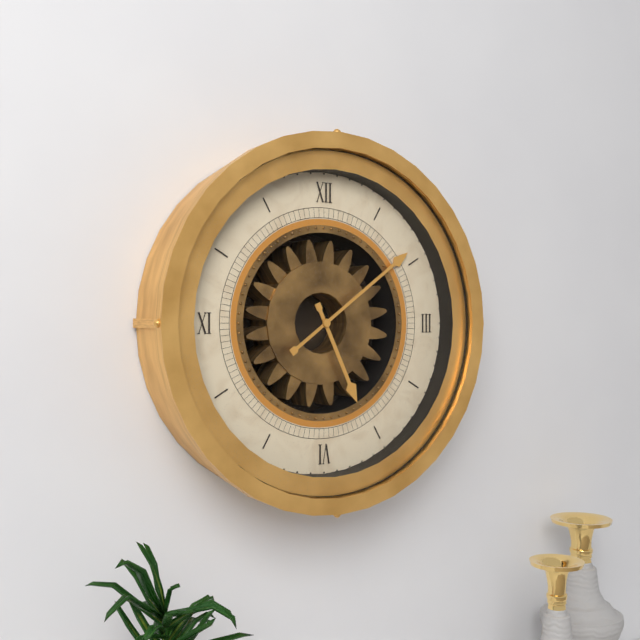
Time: h=5 m=9
